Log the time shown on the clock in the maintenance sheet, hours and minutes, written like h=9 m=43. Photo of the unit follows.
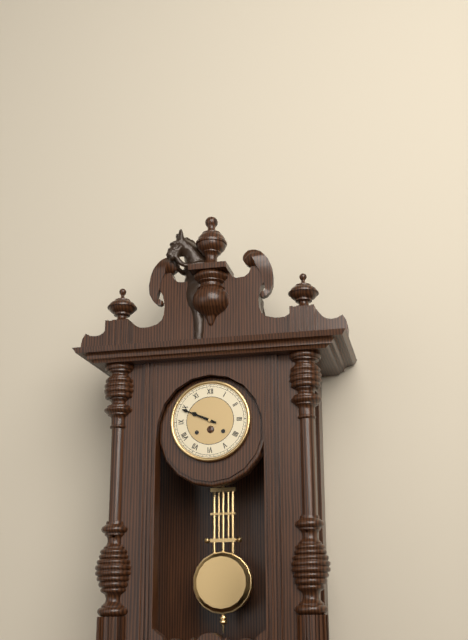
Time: h=9 m=49
